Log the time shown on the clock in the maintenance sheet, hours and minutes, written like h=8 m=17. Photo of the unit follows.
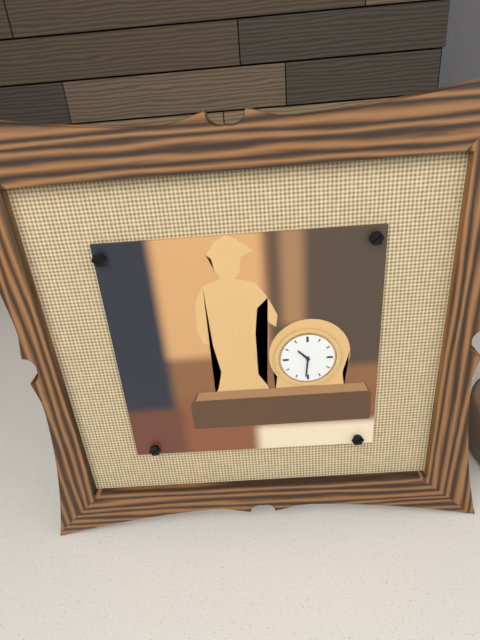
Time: h=10 m=31
